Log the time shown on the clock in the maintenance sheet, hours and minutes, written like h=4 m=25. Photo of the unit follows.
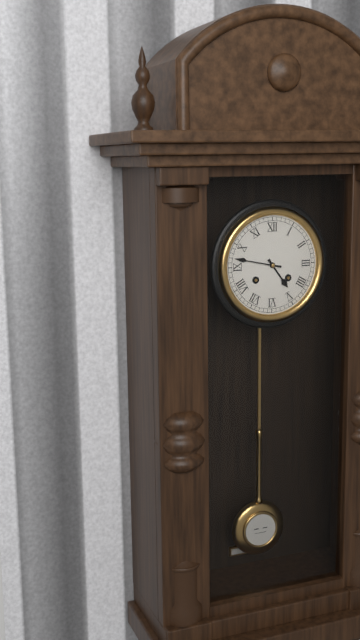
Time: h=4 m=47
